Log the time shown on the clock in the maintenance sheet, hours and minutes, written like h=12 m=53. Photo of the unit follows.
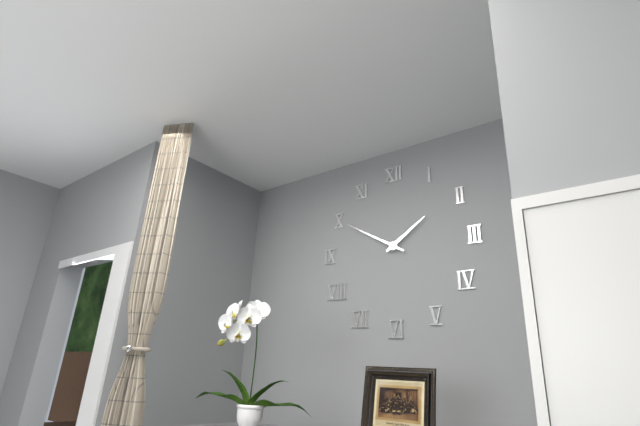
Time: h=1 m=50
